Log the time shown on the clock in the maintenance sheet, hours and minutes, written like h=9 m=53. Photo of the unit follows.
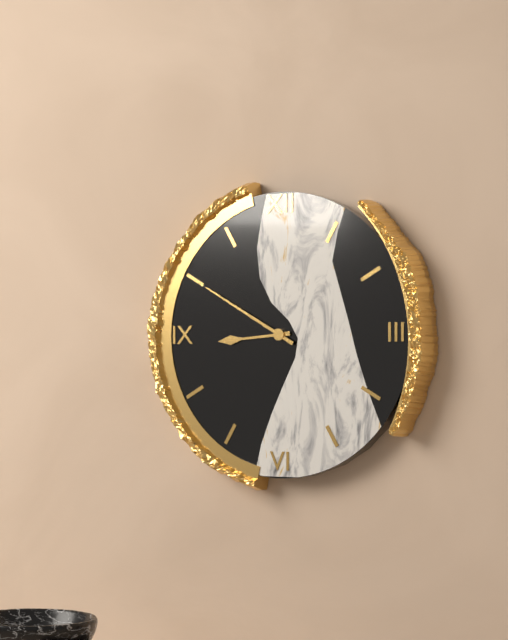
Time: h=8 m=50
